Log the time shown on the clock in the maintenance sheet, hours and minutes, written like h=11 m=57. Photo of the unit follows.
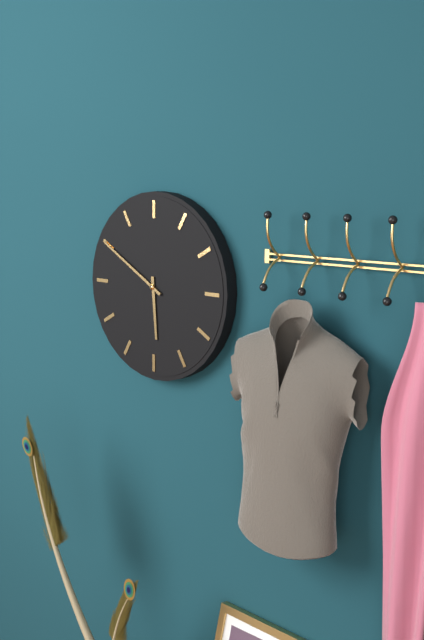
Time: h=5 m=50
